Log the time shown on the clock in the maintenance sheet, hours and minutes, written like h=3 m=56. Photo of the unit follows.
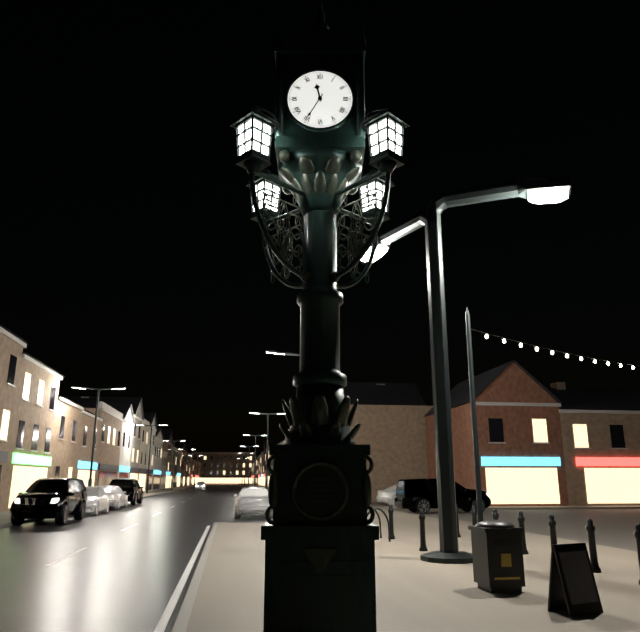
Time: h=11 m=35
